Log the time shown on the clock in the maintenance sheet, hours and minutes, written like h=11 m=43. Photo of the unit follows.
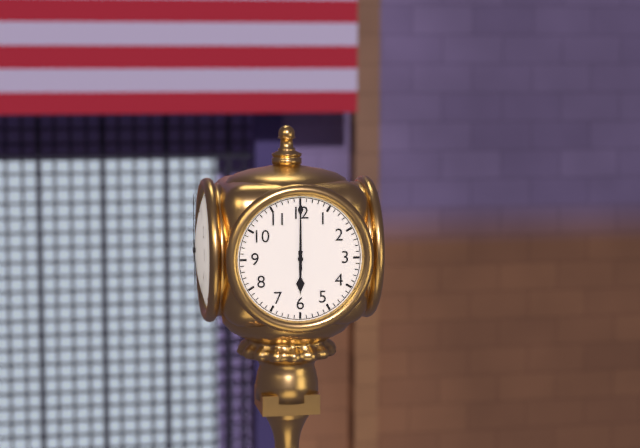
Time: h=6 m=0
